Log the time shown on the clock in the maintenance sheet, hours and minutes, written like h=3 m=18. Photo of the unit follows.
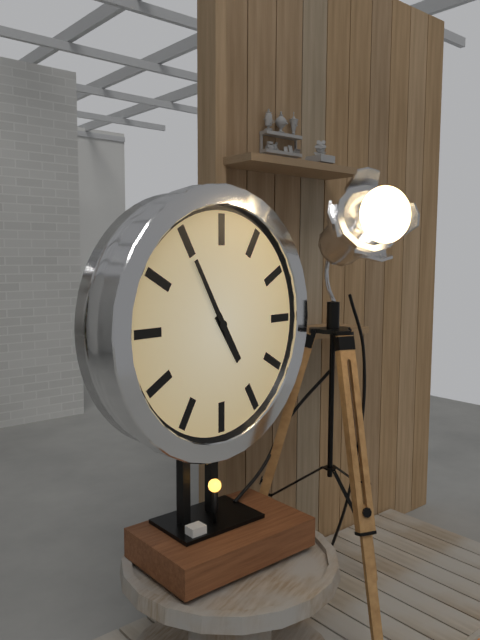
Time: h=4 m=55
